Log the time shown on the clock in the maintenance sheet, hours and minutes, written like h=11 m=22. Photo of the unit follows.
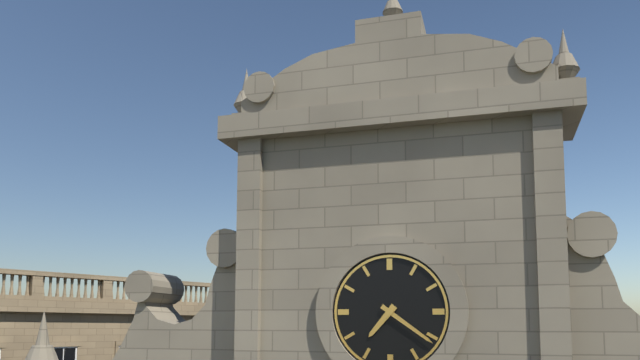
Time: h=7 m=21
